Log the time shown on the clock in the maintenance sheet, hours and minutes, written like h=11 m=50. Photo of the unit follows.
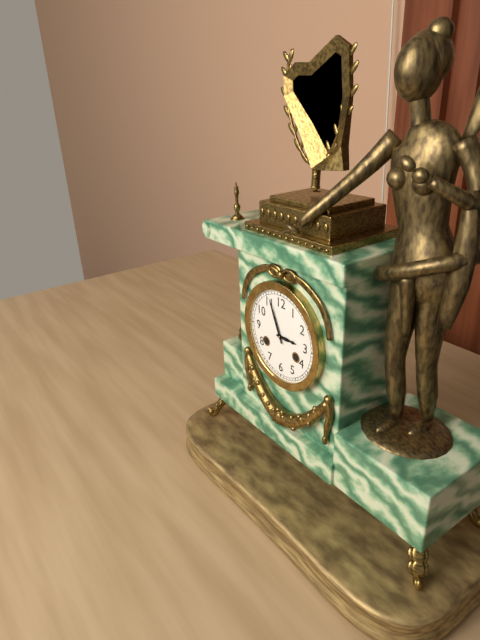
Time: h=2 m=56
